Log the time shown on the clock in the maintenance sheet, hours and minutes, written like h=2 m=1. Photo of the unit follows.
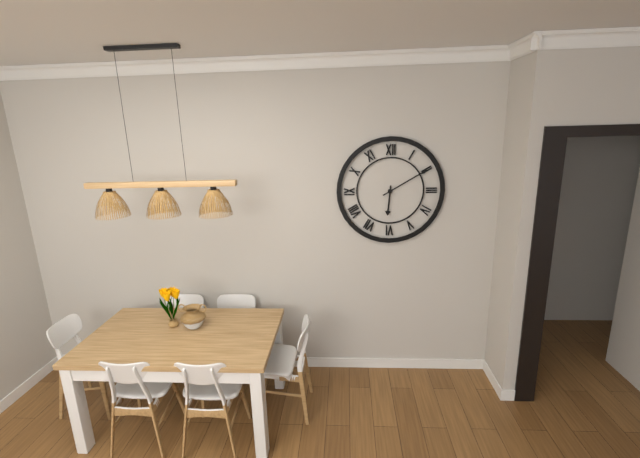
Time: h=6 m=10
